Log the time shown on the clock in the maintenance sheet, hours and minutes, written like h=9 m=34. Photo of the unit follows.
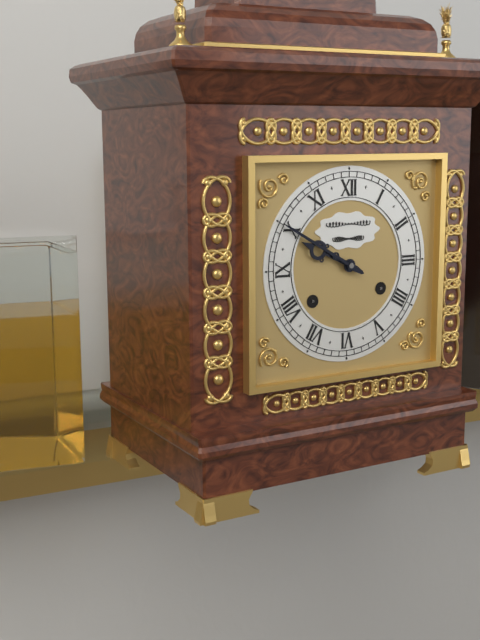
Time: h=9 m=50
